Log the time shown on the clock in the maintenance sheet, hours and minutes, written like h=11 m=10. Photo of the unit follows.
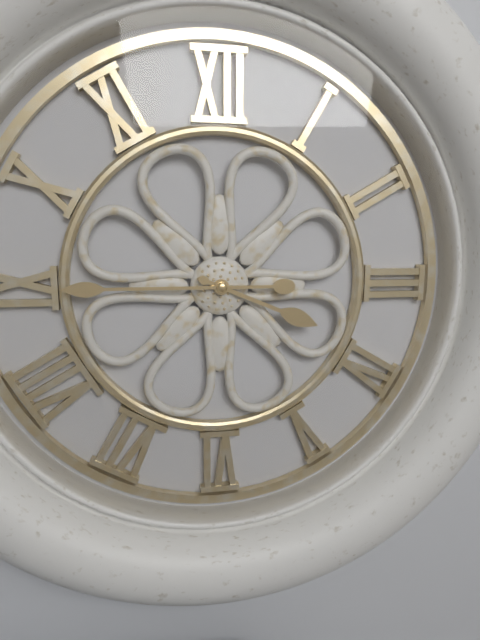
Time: h=3 m=45
